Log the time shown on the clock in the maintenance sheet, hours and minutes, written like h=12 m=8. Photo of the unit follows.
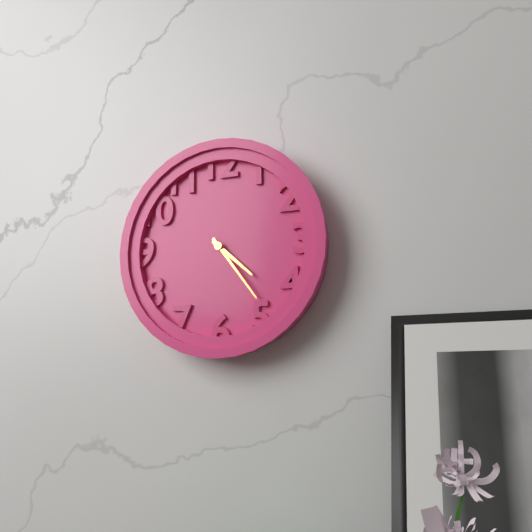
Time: h=4 m=24
